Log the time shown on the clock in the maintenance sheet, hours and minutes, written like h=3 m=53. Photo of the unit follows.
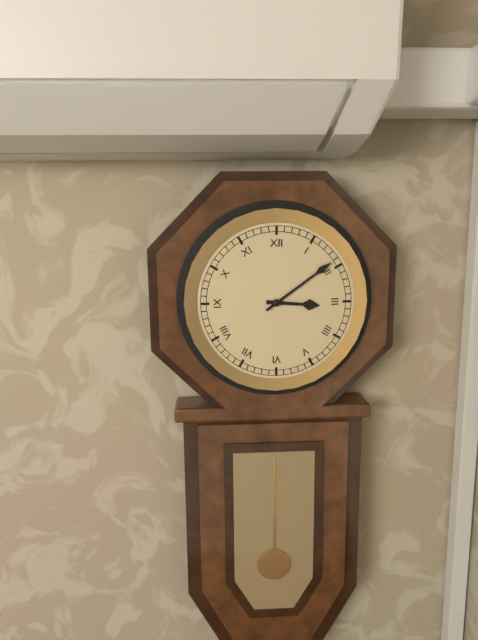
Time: h=3 m=9
